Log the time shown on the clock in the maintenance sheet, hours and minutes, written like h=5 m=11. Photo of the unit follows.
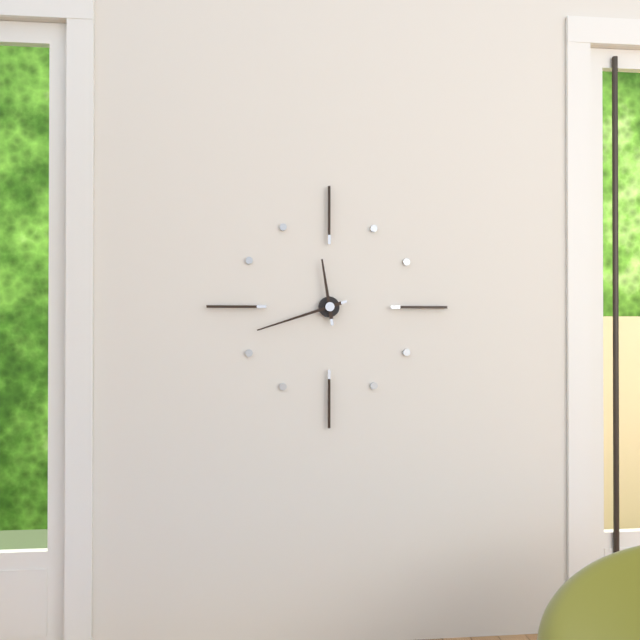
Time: h=11 m=42
